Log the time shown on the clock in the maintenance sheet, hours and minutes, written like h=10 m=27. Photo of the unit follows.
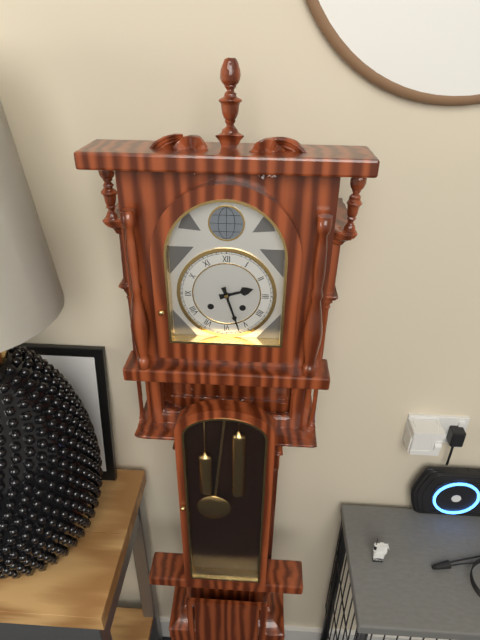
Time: h=2 m=27
